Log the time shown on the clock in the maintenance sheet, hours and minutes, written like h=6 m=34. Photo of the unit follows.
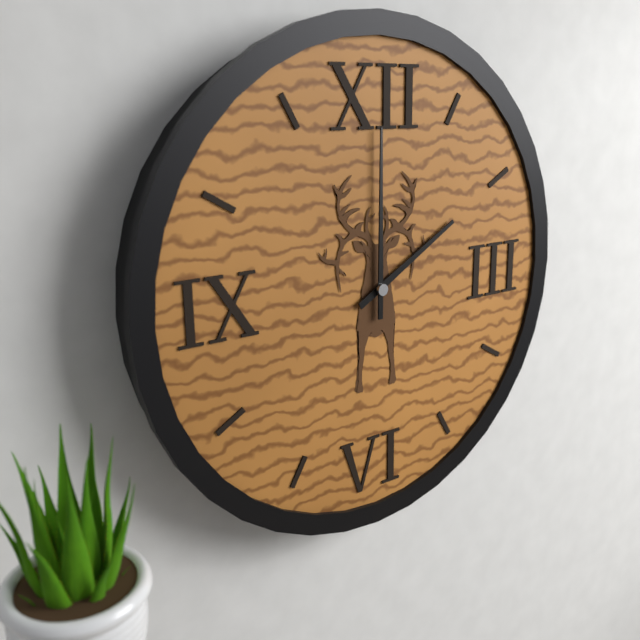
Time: h=2 m=0
